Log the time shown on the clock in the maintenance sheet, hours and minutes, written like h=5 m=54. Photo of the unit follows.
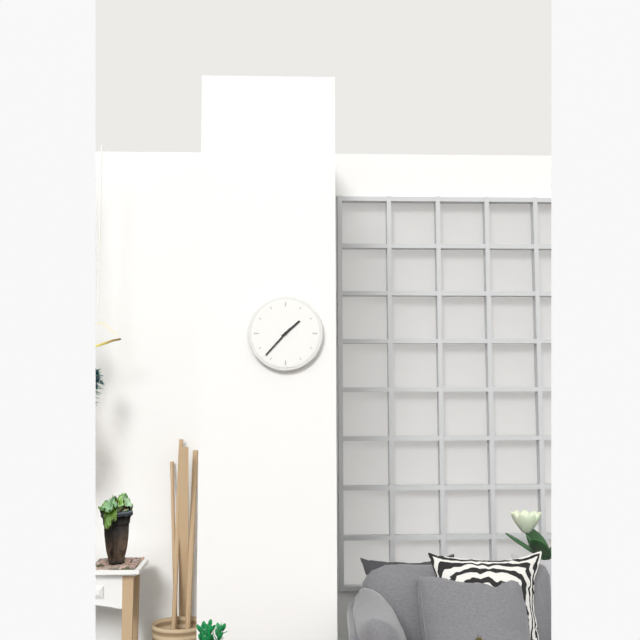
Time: h=1 m=37
